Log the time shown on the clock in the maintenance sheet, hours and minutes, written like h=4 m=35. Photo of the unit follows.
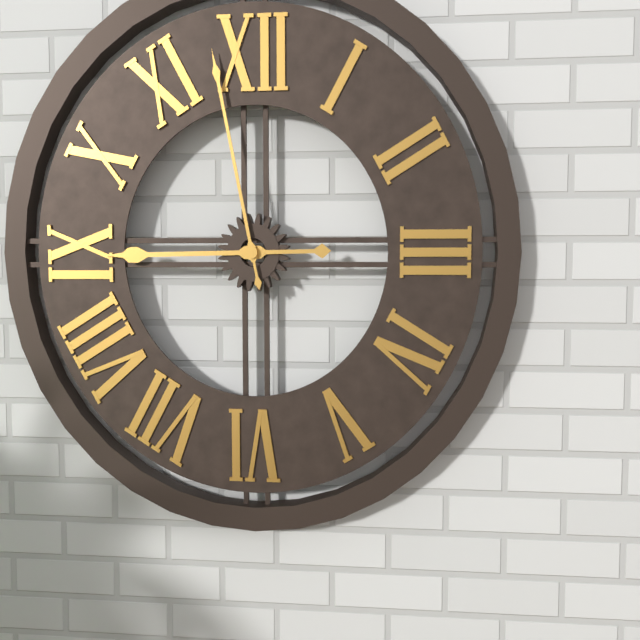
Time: h=8 m=58
